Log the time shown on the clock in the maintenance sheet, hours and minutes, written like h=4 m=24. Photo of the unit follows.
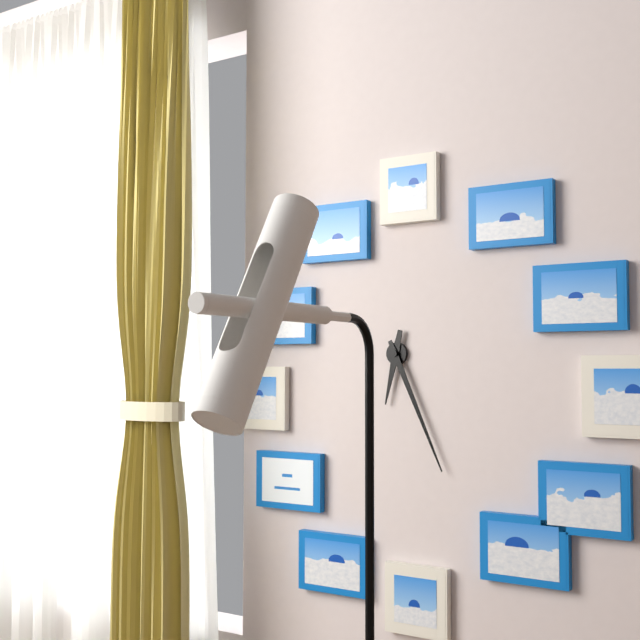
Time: h=6 m=26
